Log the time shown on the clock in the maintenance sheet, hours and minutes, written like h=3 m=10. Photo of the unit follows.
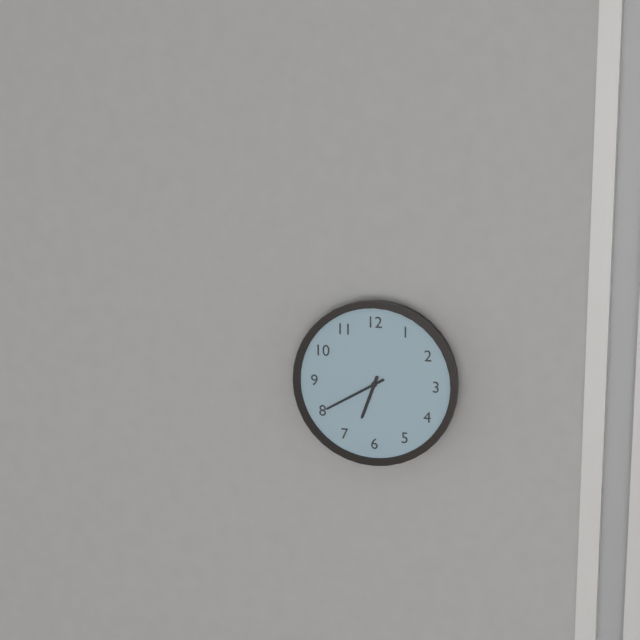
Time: h=6 m=40
